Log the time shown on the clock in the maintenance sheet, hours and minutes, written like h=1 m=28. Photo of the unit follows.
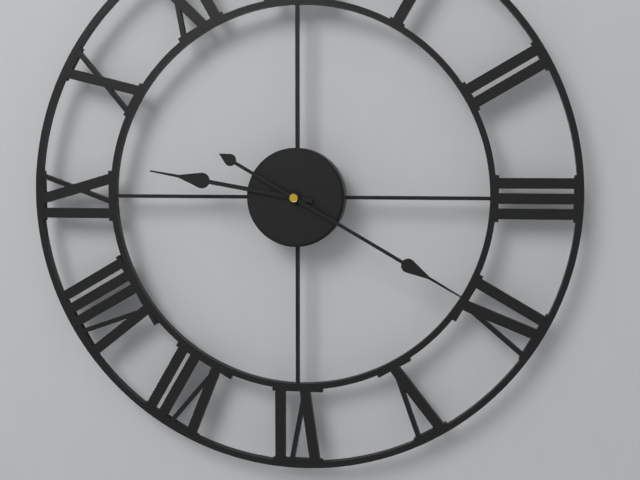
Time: h=9 m=20
